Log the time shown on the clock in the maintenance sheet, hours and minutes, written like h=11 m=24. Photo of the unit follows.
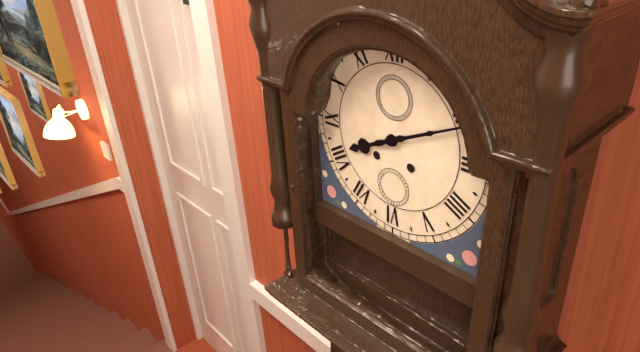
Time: h=8 m=11
